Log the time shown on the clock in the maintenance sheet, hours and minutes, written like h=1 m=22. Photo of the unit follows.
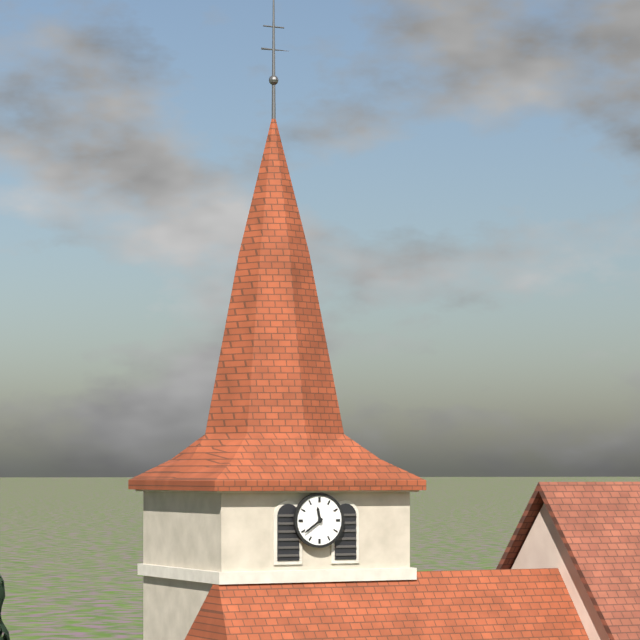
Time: h=11 m=39
